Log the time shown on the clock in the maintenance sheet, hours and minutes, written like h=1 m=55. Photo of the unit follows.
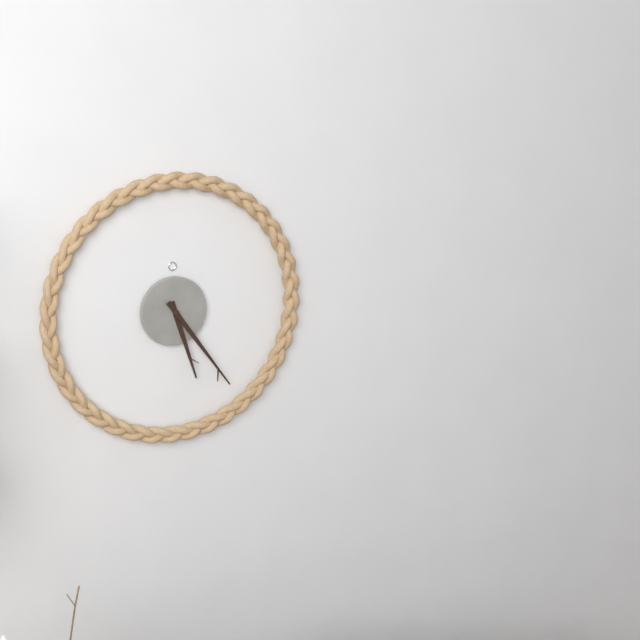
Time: h=5 m=24
